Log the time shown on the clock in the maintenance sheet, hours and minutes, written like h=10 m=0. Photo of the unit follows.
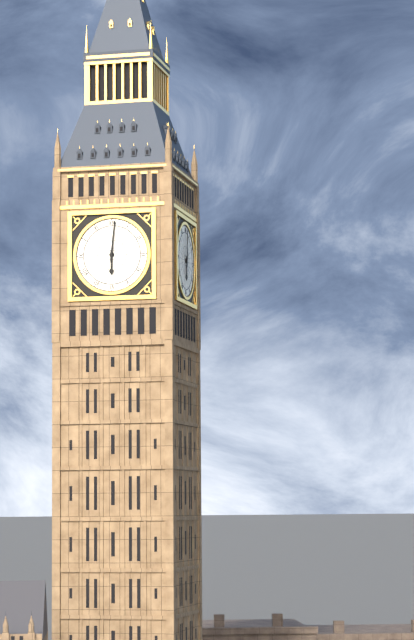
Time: h=6 m=1
